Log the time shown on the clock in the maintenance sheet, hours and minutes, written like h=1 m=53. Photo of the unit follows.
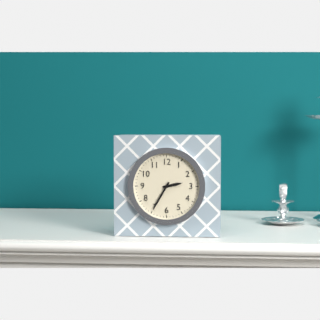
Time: h=2 m=35
